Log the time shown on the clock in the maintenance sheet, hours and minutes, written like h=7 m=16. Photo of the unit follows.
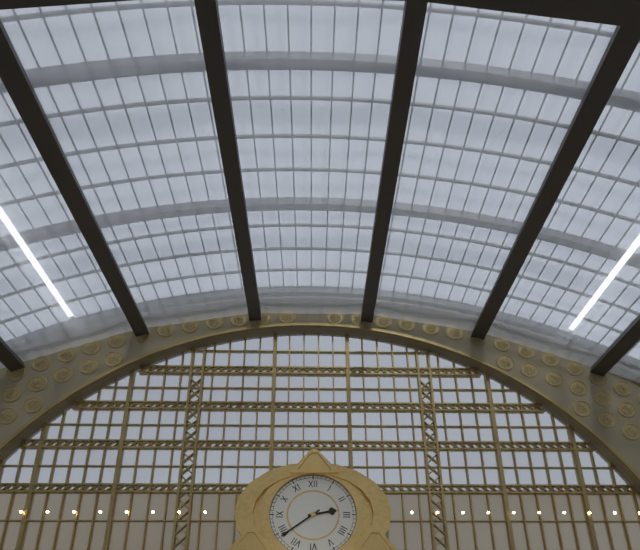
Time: h=2 m=39
